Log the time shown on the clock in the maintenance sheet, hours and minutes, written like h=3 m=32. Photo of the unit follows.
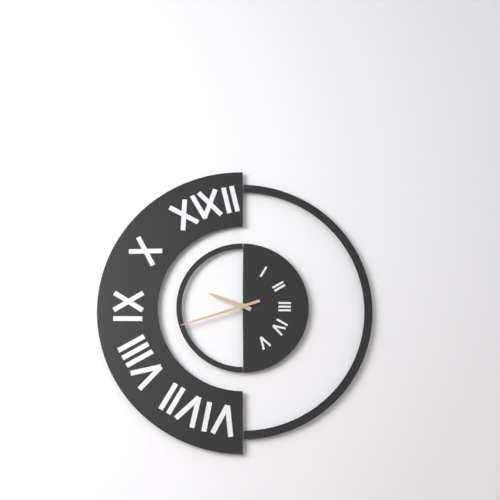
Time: h=9 m=42
